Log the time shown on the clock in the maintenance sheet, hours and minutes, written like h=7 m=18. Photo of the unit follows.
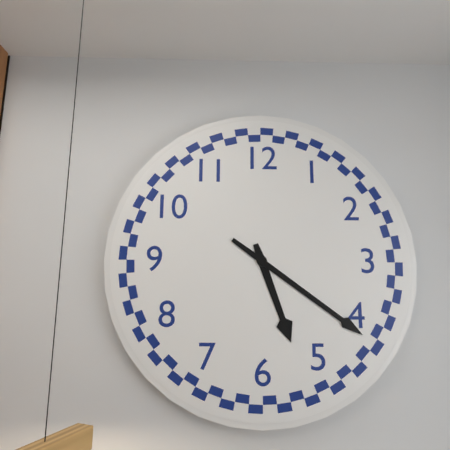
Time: h=5 m=21
